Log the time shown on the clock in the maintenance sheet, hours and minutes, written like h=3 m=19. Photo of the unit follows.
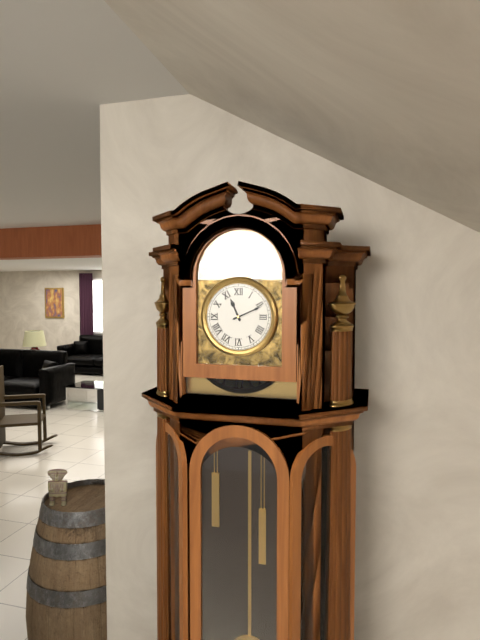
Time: h=11 m=11
